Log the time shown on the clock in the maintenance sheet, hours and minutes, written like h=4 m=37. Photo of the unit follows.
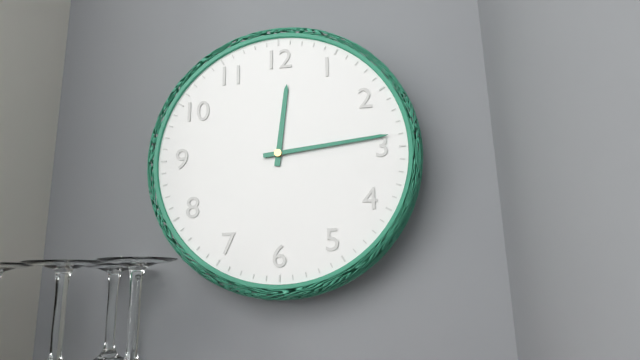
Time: h=12 m=14
